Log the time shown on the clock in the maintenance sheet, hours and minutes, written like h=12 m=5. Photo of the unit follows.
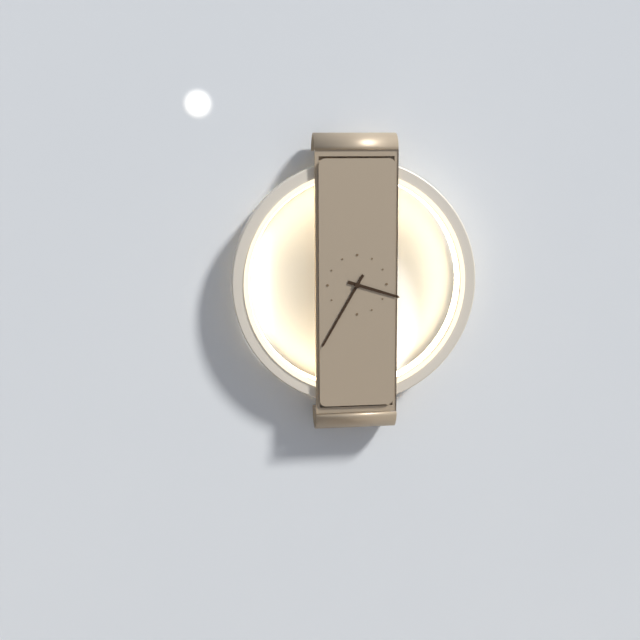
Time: h=3 m=35
